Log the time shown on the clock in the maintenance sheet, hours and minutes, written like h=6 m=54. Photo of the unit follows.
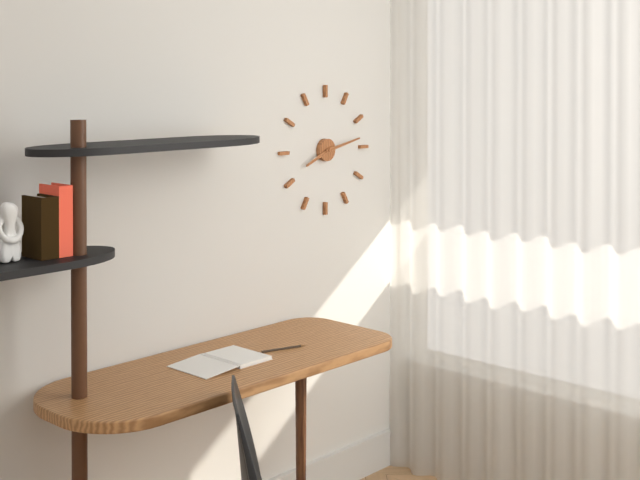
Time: h=8 m=13
